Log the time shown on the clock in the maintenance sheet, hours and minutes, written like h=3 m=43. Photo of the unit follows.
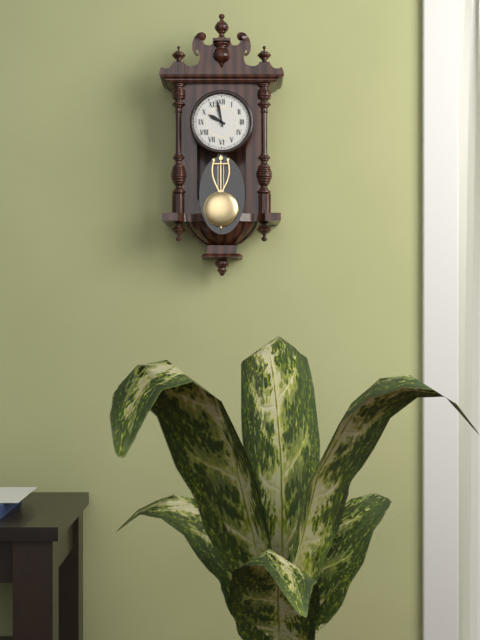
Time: h=9 m=58
